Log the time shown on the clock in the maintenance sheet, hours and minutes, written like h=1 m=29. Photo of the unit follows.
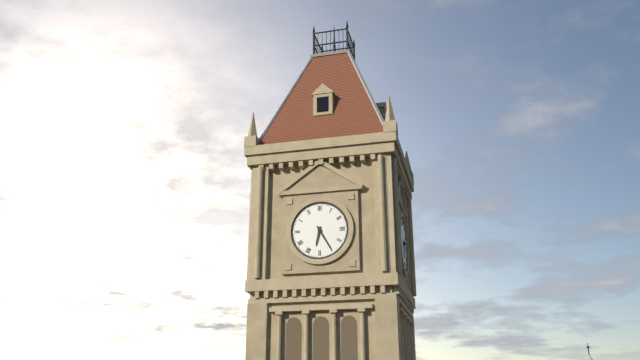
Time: h=6 m=25
